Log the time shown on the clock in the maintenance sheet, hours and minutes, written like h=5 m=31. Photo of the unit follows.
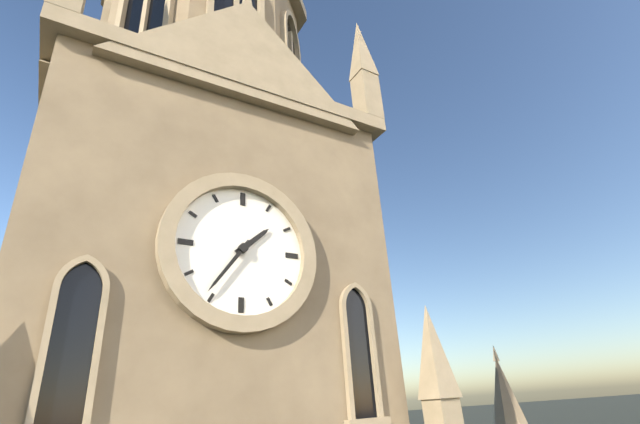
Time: h=1 m=36
